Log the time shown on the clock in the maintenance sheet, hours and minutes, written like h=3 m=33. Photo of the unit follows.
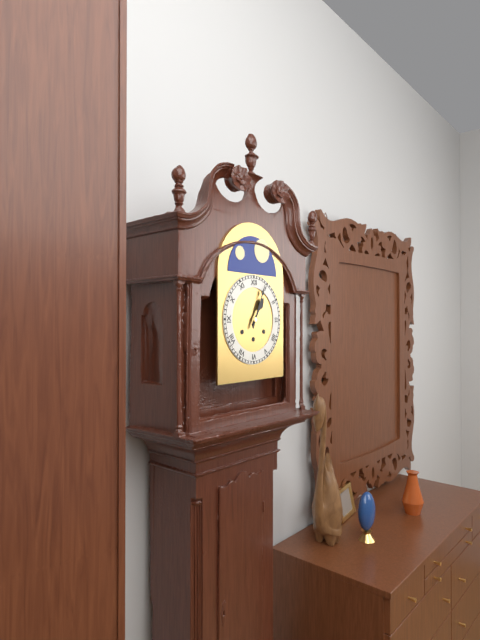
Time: h=1 m=4
